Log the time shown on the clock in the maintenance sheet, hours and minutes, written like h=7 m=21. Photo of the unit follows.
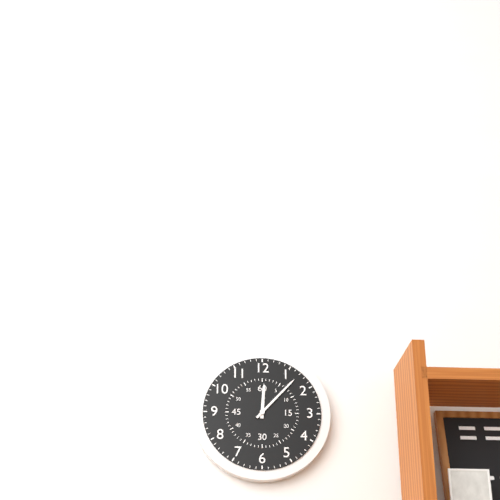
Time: h=12 m=7
